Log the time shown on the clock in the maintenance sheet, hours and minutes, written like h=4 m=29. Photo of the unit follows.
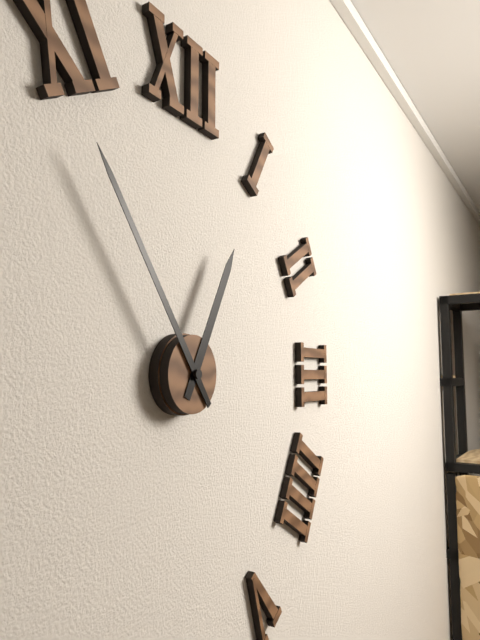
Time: h=12 m=54
